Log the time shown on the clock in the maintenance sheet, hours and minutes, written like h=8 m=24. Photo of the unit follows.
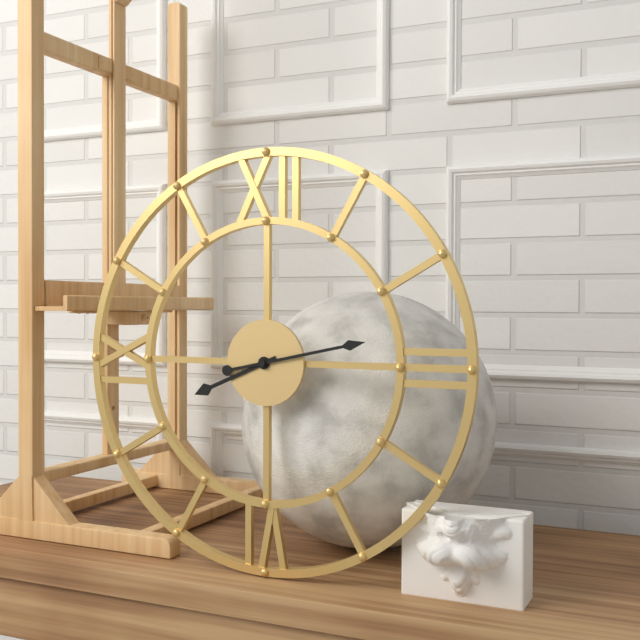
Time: h=8 m=13
